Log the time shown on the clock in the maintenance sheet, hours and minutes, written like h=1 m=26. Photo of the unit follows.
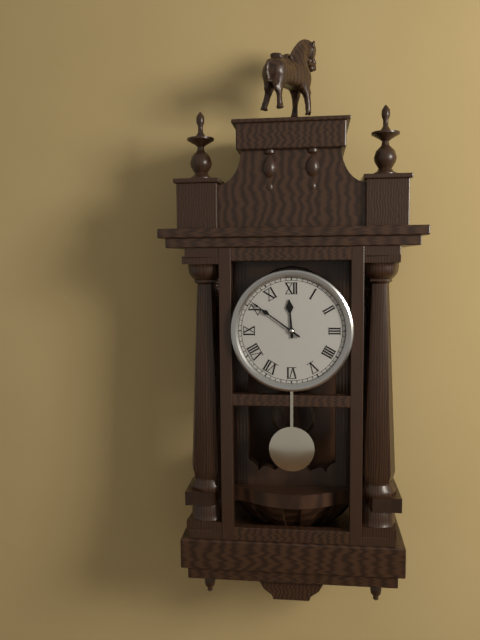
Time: h=11 m=51
